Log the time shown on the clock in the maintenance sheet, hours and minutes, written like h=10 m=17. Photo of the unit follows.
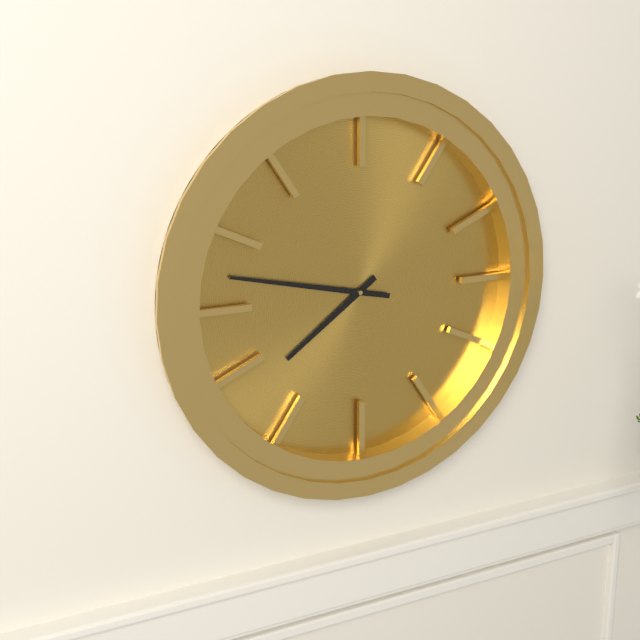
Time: h=7 m=47
